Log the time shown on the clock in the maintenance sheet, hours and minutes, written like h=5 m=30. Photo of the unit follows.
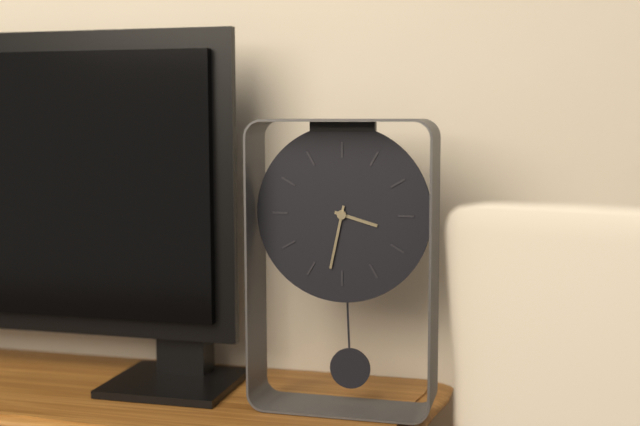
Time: h=3 m=32
